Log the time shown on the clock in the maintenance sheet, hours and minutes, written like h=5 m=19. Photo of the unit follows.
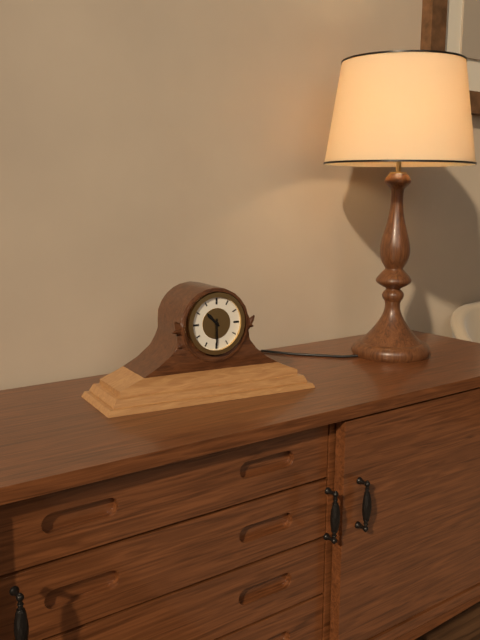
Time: h=10 m=30
